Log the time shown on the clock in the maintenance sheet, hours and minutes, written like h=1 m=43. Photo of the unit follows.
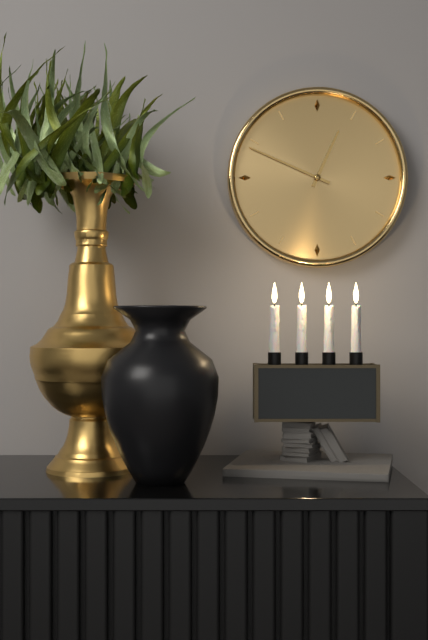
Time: h=12 m=49
